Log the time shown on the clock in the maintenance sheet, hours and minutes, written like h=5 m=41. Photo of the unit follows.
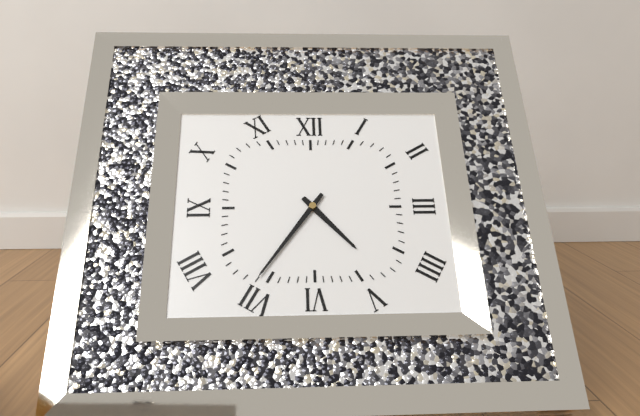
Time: h=4 m=36
